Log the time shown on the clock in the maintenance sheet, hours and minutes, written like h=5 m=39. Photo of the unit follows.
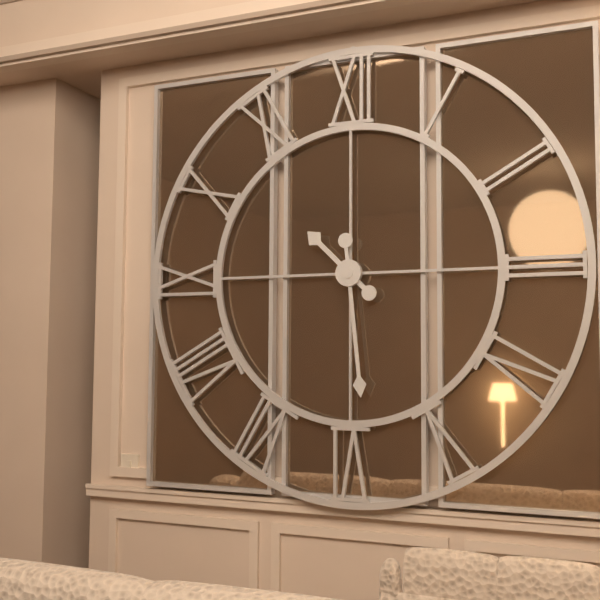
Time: h=10 m=29
